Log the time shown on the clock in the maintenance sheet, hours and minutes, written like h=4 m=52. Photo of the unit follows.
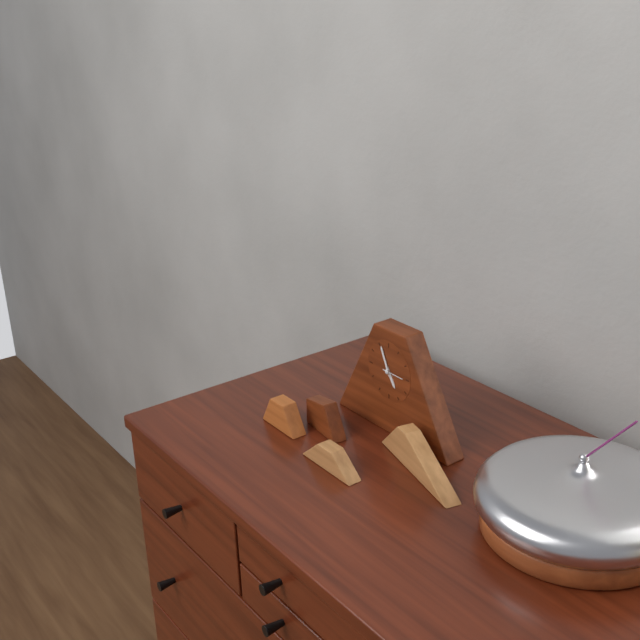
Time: h=4 m=56
